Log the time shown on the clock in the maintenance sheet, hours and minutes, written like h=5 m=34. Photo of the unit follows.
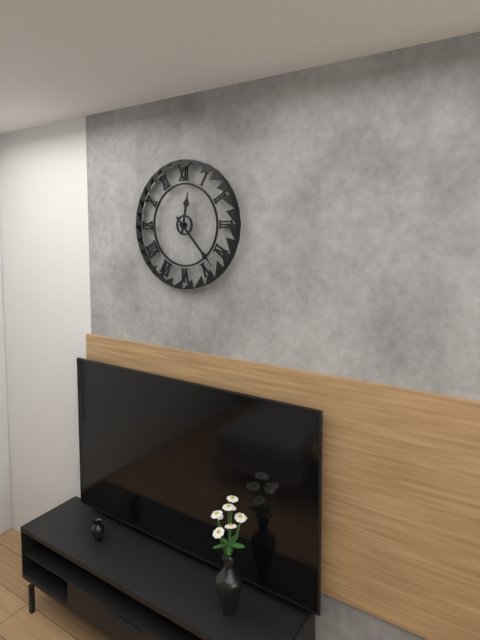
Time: h=12 m=23
